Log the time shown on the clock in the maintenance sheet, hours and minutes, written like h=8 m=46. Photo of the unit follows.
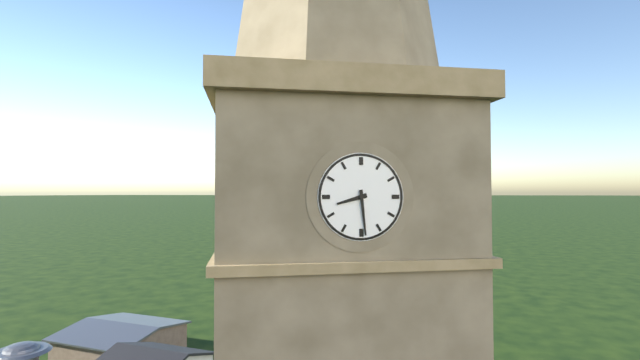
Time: h=8 m=29
